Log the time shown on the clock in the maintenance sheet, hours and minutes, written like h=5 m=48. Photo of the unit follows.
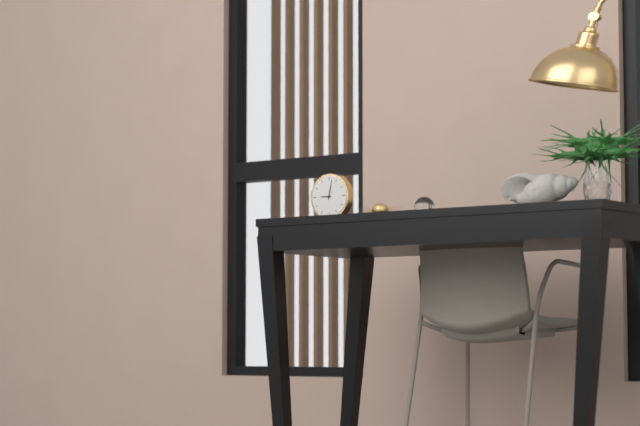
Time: h=9 m=2
